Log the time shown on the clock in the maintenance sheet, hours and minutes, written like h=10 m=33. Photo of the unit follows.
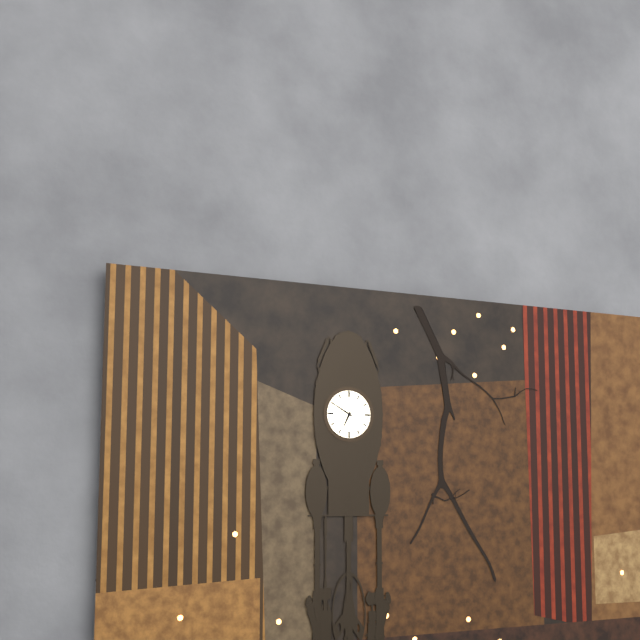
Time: h=6 m=50
